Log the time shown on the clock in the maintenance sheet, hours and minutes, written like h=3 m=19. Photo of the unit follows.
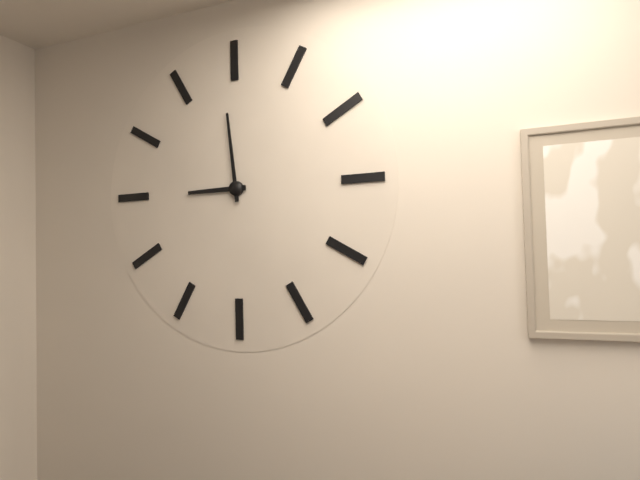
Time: h=8 m=59
